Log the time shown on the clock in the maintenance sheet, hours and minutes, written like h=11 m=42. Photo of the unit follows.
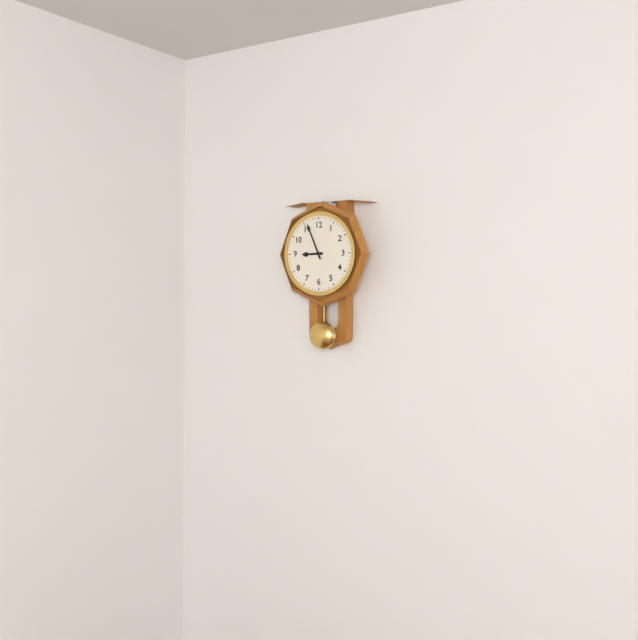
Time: h=8 m=56
